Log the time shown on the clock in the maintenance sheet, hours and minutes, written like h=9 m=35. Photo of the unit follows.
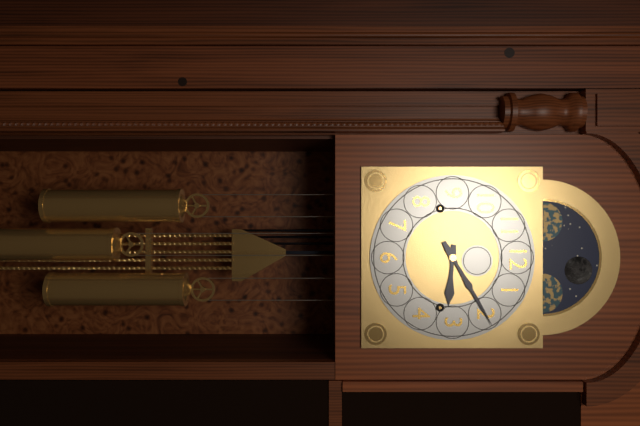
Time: h=3 m=10
